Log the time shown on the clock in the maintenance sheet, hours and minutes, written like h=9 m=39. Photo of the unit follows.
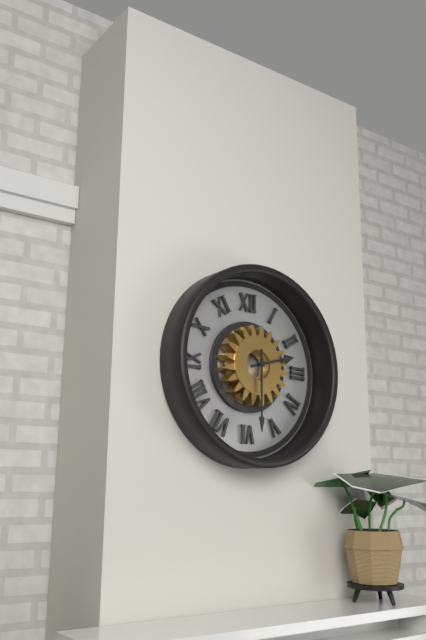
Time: h=2 m=30
